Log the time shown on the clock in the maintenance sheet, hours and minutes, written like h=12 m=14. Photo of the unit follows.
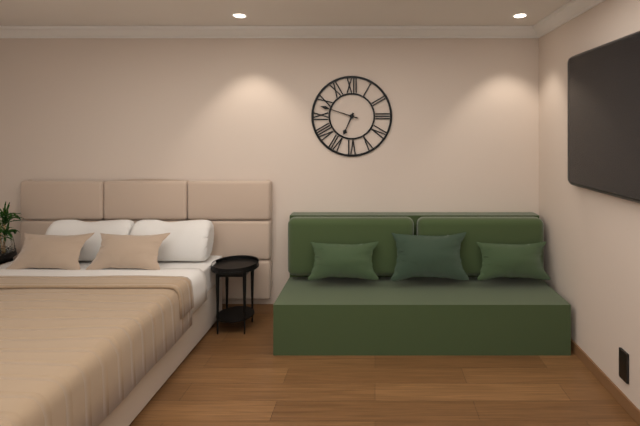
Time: h=6 m=48
